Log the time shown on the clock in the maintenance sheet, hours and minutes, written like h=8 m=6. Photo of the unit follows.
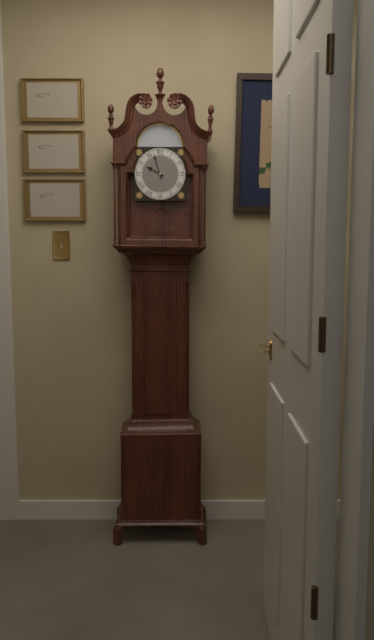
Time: h=9 m=57
